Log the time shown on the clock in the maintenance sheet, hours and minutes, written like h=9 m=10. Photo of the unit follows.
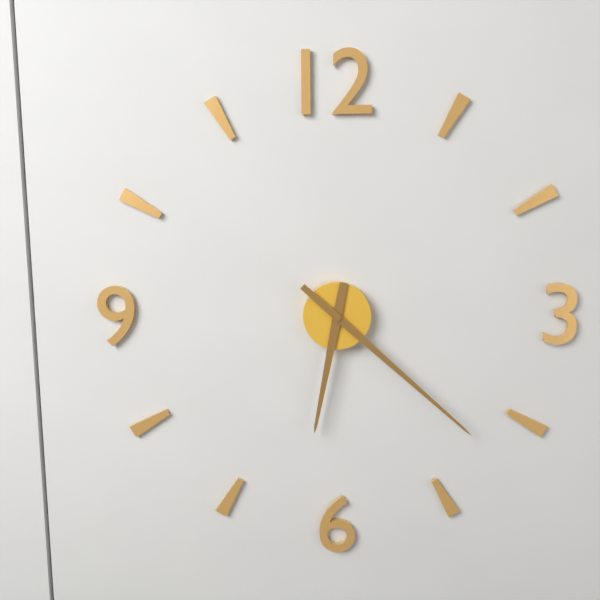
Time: h=6 m=22
